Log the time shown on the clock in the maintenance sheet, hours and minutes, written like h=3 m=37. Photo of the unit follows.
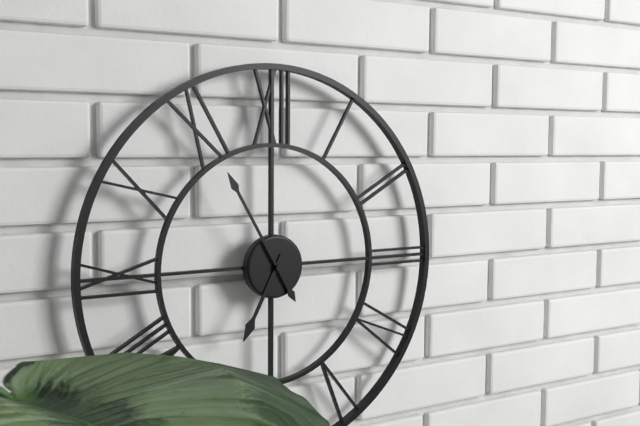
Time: h=6 m=55
